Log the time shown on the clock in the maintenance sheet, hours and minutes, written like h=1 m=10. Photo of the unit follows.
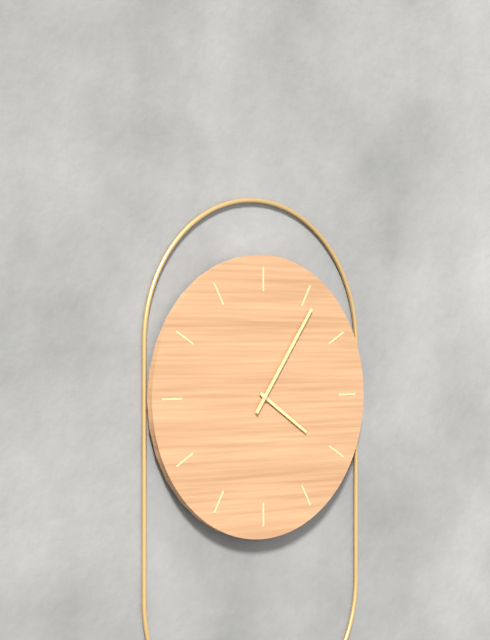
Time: h=4 m=6
